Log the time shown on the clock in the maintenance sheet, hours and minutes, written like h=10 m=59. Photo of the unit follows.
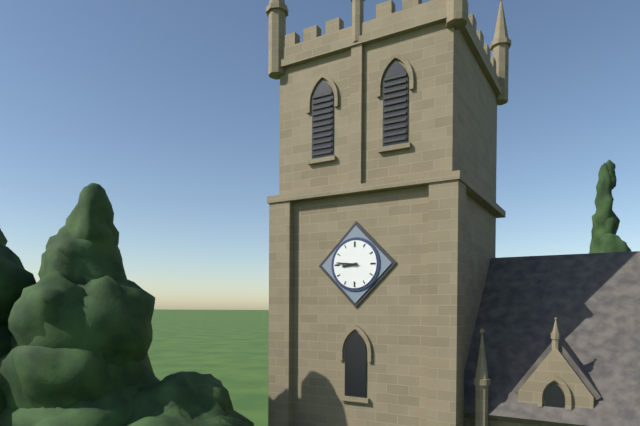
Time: h=8 m=46
